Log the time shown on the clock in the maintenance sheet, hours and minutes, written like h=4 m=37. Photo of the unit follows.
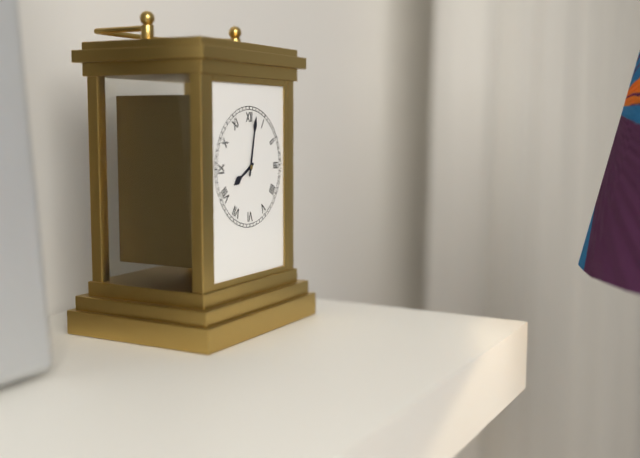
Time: h=8 m=2
